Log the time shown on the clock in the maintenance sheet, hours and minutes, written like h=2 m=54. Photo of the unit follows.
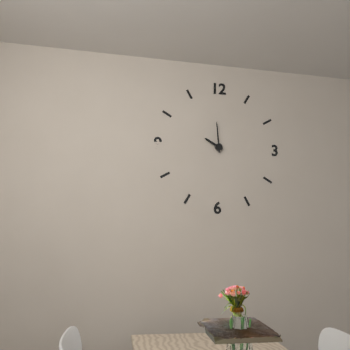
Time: h=9 m=59
